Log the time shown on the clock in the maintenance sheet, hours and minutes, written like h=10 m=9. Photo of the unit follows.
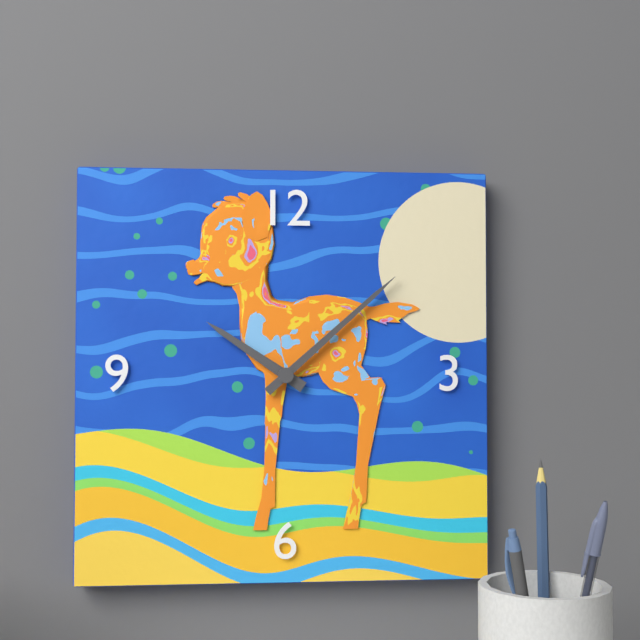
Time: h=10 m=8
